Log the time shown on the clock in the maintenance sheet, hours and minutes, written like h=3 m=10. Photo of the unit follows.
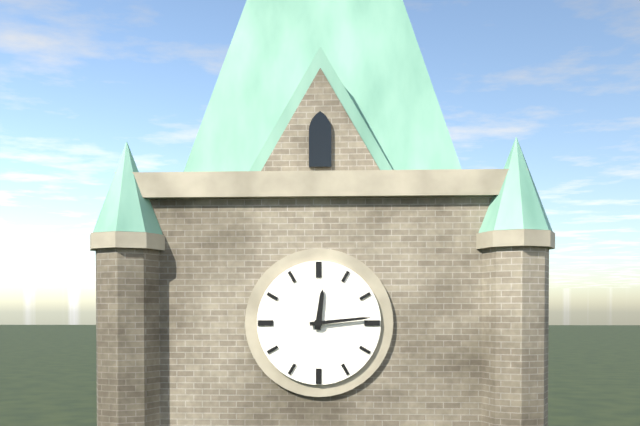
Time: h=12 m=14
